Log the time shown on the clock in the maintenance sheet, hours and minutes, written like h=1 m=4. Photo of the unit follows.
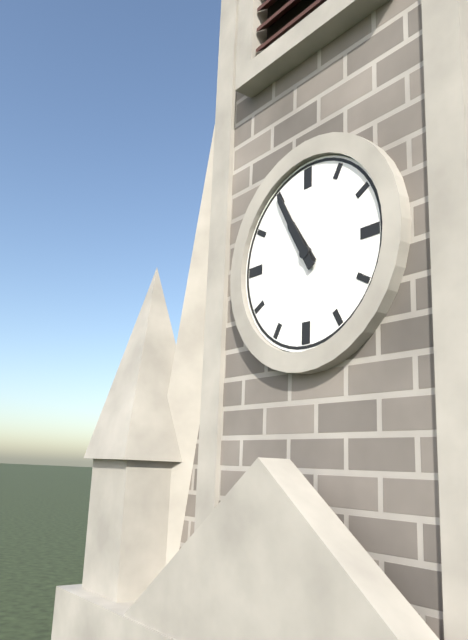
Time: h=10 m=55
